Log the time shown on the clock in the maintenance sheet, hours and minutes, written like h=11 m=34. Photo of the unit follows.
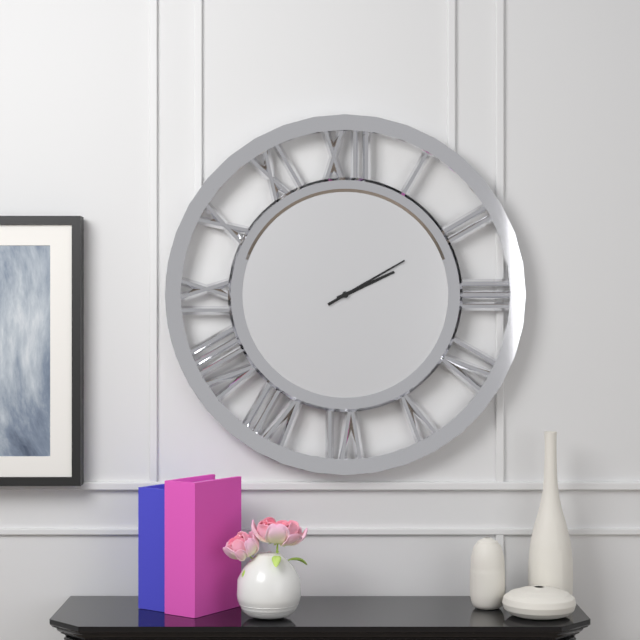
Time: h=2 m=10
